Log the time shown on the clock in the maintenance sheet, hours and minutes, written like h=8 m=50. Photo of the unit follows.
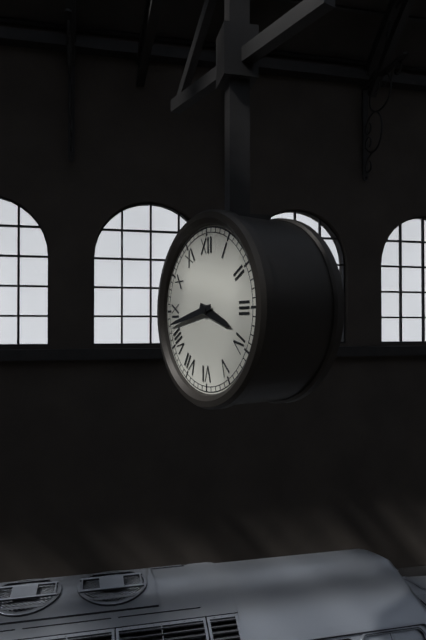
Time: h=3 m=43
